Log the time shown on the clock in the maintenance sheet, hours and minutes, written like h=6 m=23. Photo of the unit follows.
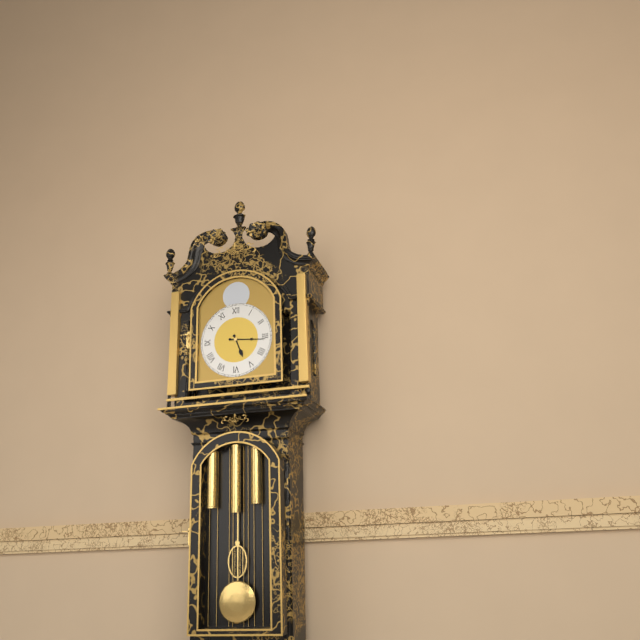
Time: h=5 m=16
